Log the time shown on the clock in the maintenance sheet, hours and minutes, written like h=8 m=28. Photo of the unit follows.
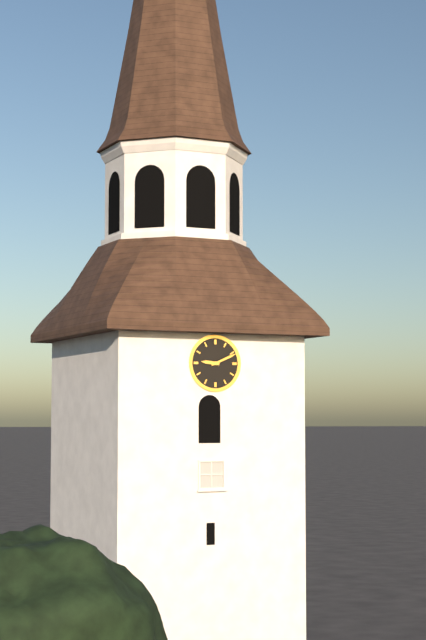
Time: h=9 m=11
